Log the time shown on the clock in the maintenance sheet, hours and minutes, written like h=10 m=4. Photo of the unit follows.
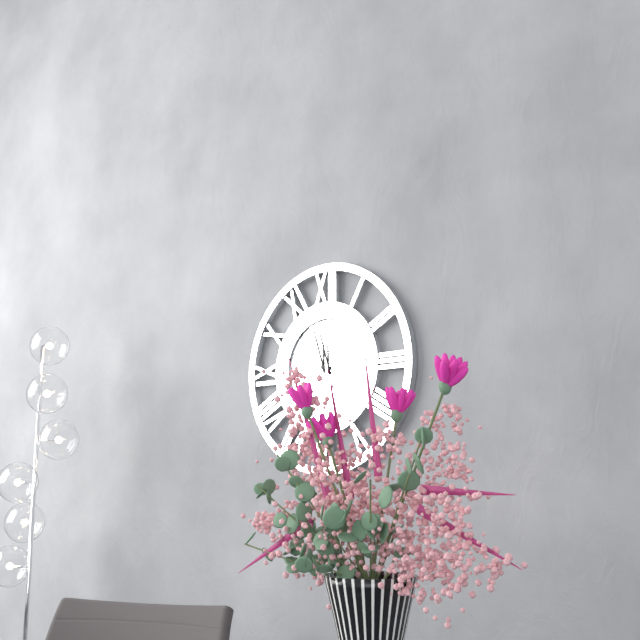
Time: h=11 m=57
